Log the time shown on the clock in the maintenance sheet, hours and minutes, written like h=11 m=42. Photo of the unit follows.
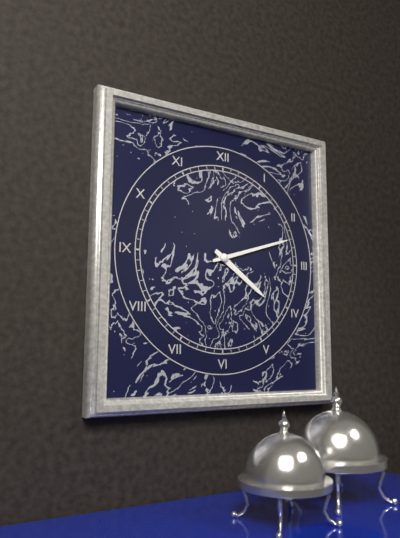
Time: h=4 m=12
